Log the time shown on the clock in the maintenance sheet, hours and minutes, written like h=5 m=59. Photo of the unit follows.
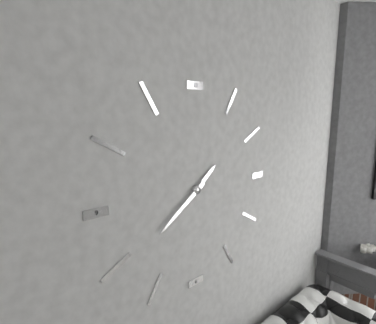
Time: h=1 m=39
